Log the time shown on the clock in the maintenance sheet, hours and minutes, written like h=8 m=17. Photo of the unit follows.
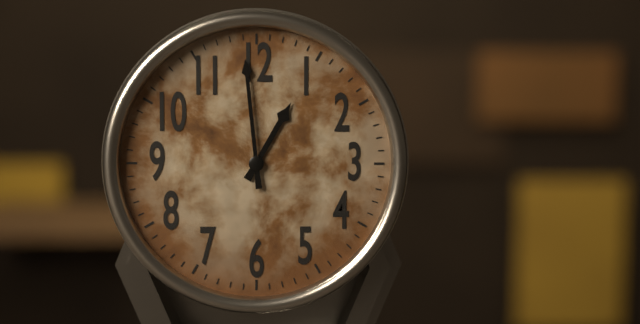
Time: h=12 m=59
